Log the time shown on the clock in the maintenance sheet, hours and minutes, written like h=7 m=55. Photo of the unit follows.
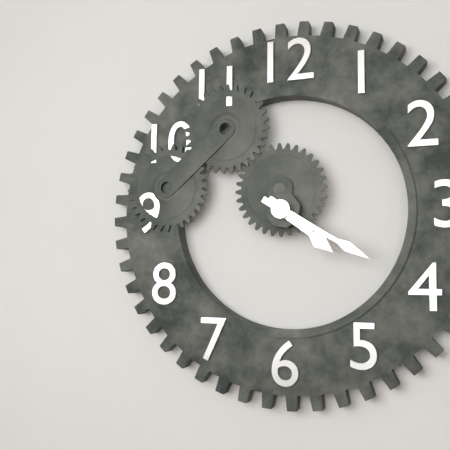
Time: h=4 m=20
